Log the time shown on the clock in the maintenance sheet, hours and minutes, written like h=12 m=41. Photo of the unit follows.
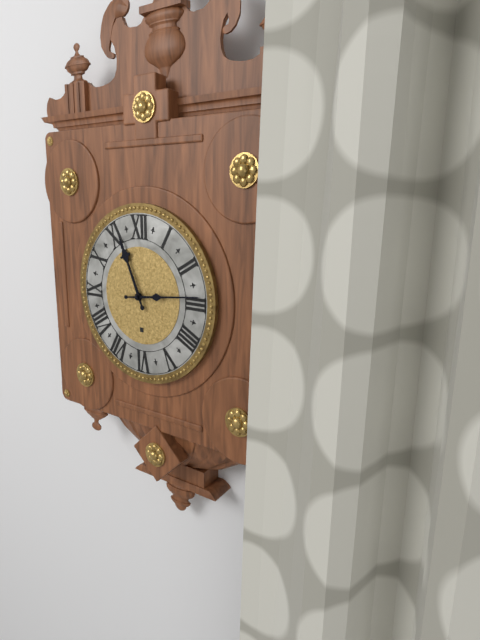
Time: h=11 m=14
